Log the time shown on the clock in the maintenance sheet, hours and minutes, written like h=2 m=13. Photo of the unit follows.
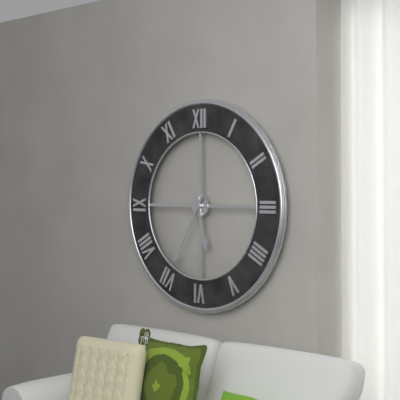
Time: h=5 m=35
